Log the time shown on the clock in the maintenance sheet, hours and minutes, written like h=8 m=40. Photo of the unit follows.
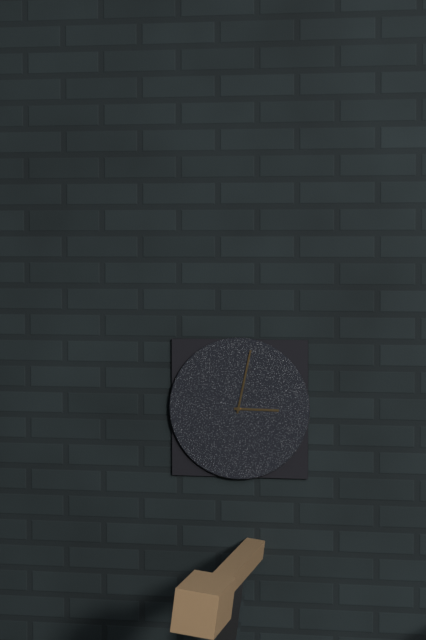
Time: h=3 m=2
